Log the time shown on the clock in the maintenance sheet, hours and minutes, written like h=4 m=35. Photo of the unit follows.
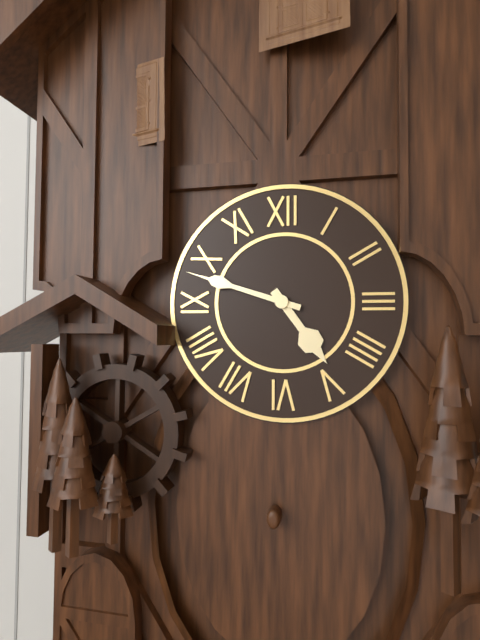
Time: h=4 m=48
